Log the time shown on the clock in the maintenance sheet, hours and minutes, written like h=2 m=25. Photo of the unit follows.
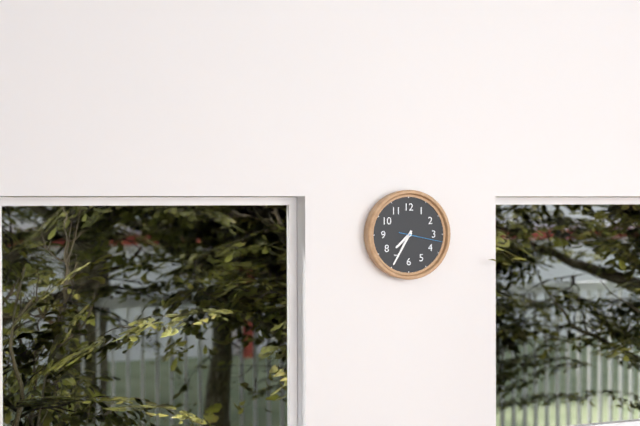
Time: h=7 m=35
